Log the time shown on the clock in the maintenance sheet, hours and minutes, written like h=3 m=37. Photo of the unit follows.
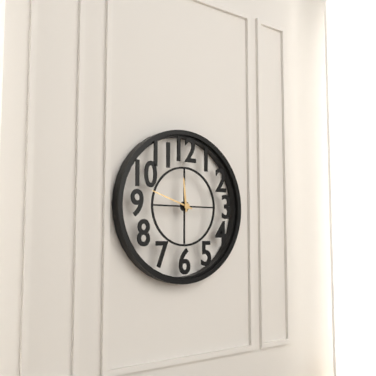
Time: h=11 m=48
